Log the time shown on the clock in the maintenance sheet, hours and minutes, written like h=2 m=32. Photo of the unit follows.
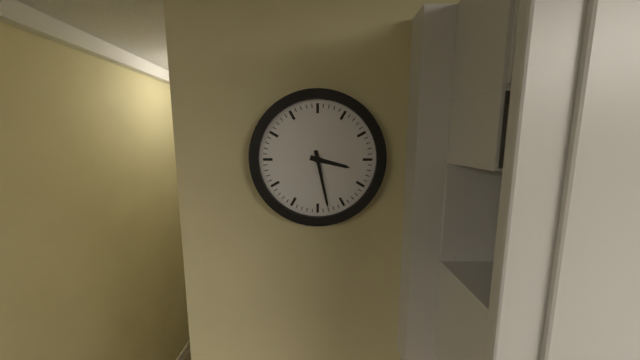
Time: h=3 m=28
